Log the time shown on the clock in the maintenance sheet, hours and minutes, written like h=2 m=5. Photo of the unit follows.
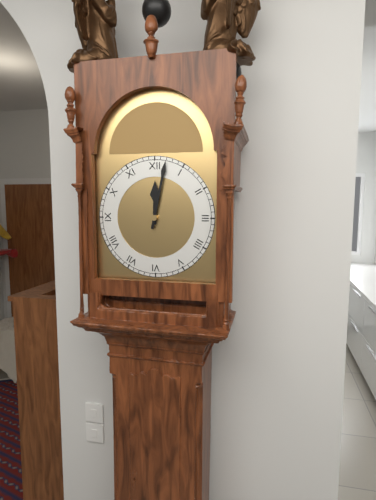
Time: h=12 m=2
